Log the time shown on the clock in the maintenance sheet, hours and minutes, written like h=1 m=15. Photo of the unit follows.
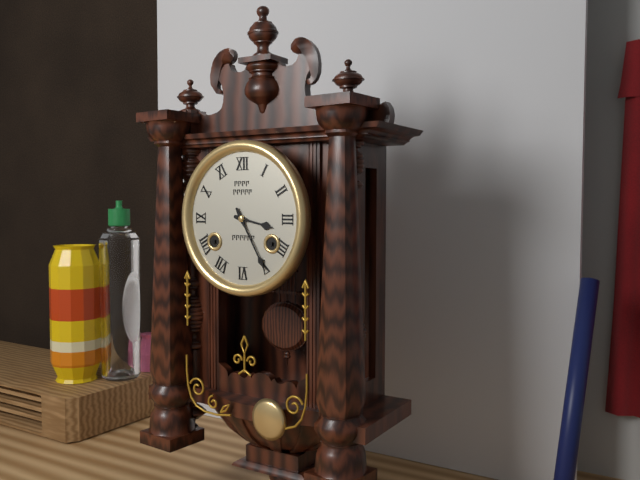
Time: h=3 m=25
